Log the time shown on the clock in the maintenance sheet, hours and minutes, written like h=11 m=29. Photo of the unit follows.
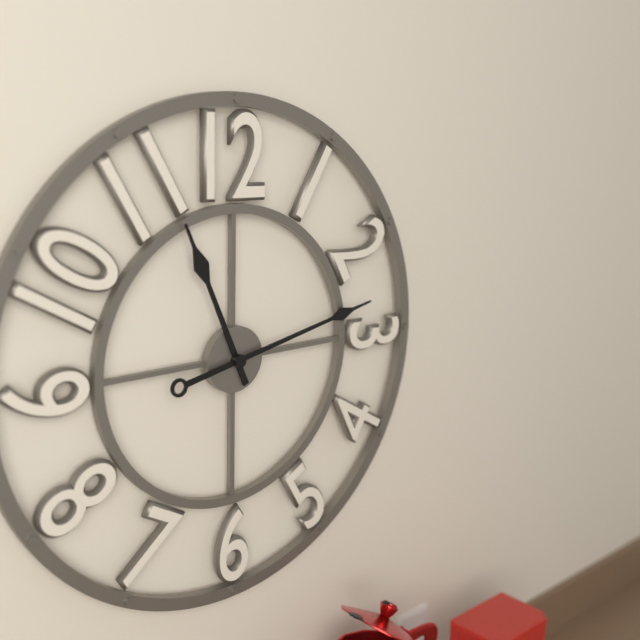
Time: h=11 m=13
